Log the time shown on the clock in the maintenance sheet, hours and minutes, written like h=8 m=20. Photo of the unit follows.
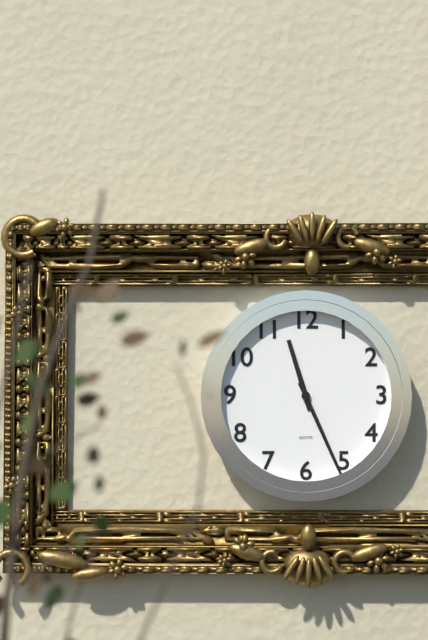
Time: h=11 m=26
